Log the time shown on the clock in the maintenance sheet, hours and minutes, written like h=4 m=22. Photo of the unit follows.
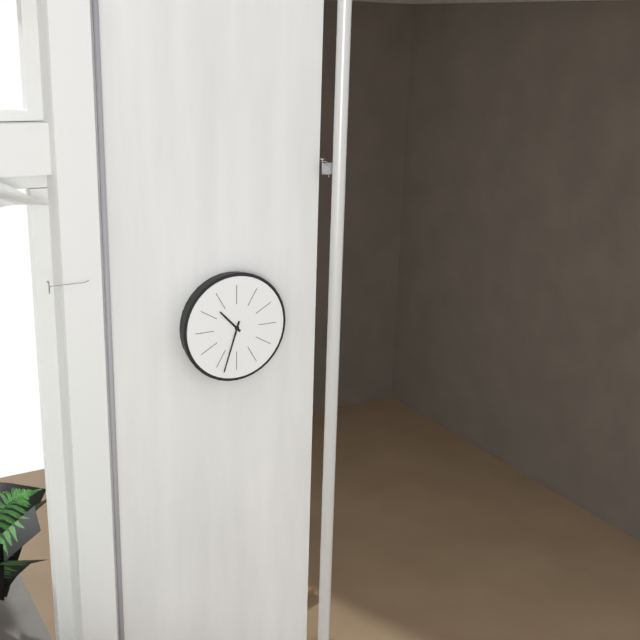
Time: h=10 m=33
